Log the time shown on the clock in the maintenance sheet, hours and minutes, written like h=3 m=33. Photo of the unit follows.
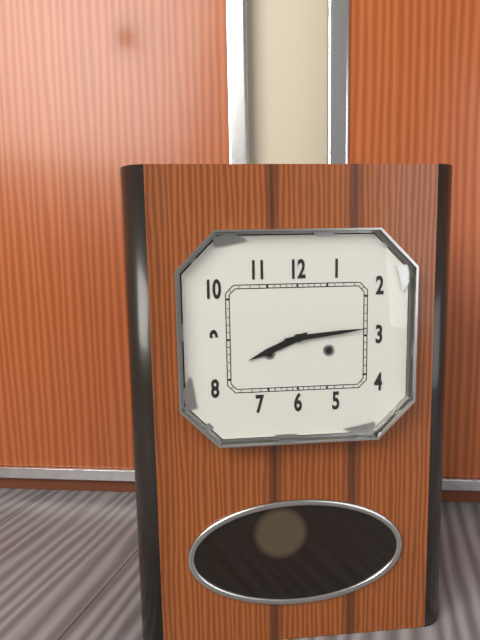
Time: h=8 m=14
